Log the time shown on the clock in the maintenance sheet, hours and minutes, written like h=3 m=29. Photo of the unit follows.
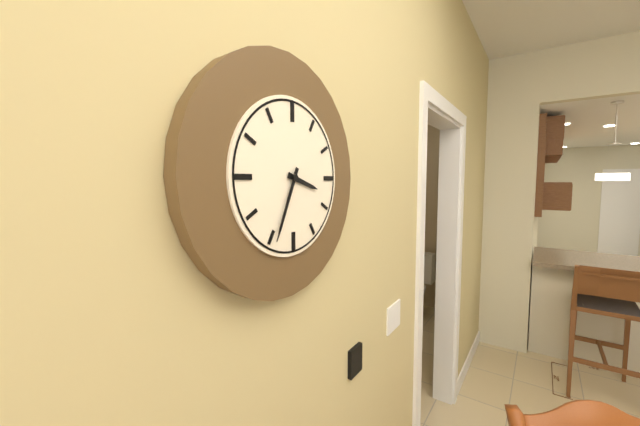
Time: h=3 m=34
